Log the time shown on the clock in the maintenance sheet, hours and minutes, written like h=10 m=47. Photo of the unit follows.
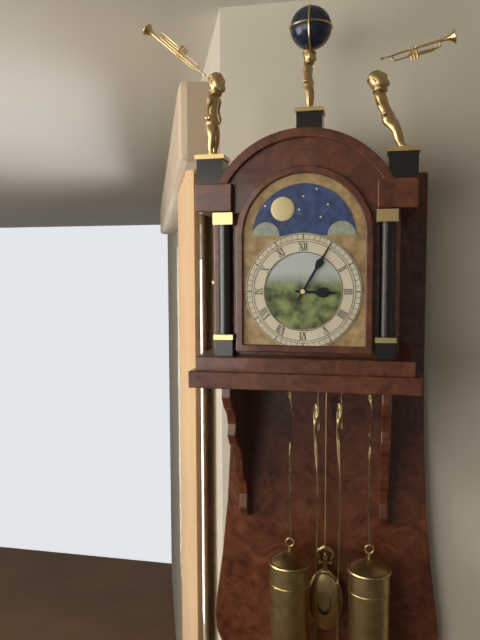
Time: h=3 m=5
